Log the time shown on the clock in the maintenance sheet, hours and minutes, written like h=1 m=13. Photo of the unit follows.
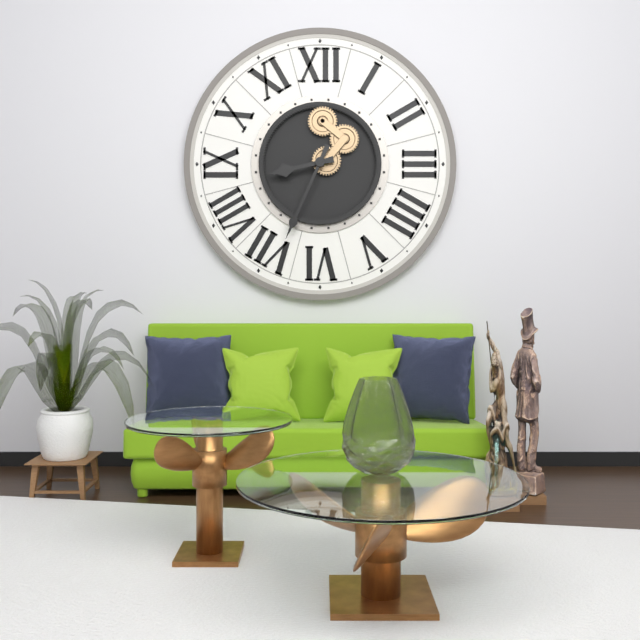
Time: h=8 m=34
